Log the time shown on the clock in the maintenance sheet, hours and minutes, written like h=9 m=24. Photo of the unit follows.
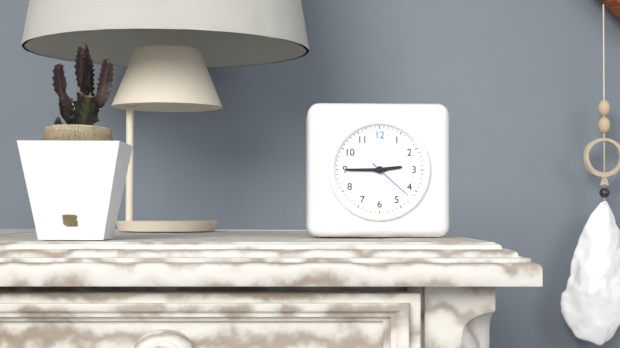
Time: h=2 m=45
